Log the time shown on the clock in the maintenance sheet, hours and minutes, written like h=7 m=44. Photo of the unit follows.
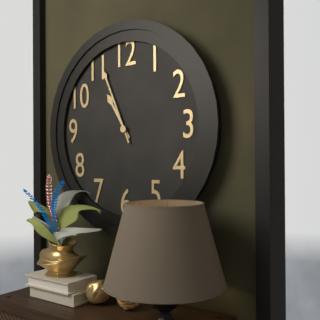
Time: h=10 m=56
